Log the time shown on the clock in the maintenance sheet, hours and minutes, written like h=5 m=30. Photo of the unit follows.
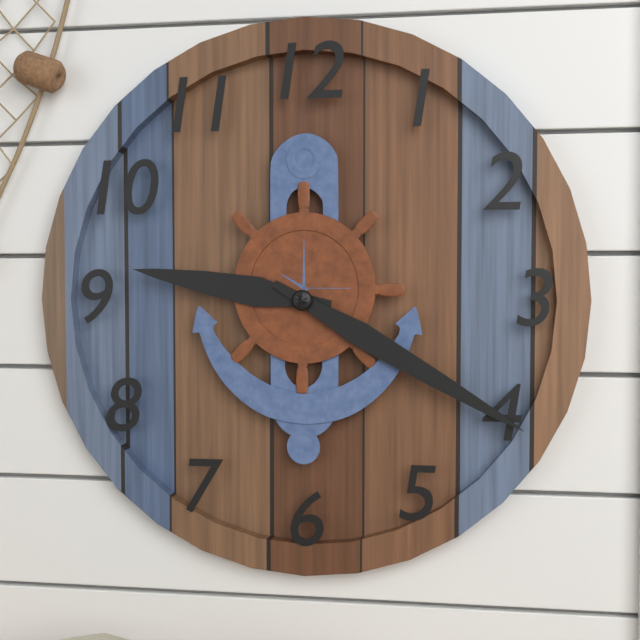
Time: h=9 m=20
